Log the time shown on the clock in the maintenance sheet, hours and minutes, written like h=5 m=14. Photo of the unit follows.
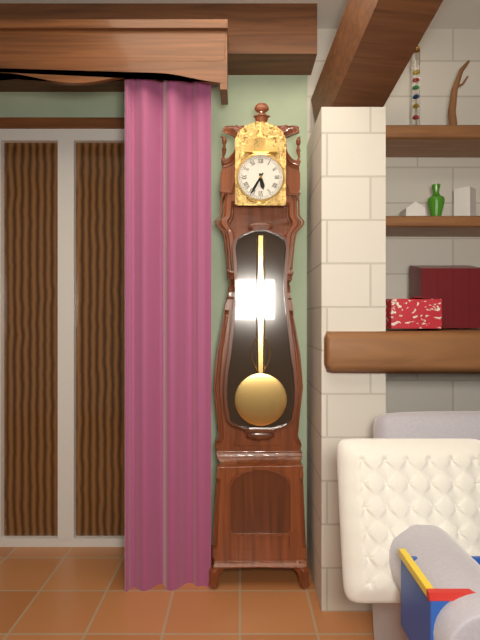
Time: h=5 m=35
